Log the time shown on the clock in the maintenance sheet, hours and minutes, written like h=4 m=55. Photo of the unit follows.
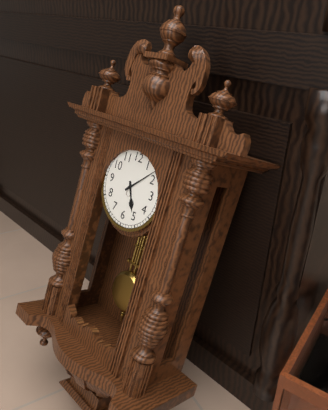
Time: h=5 m=8
